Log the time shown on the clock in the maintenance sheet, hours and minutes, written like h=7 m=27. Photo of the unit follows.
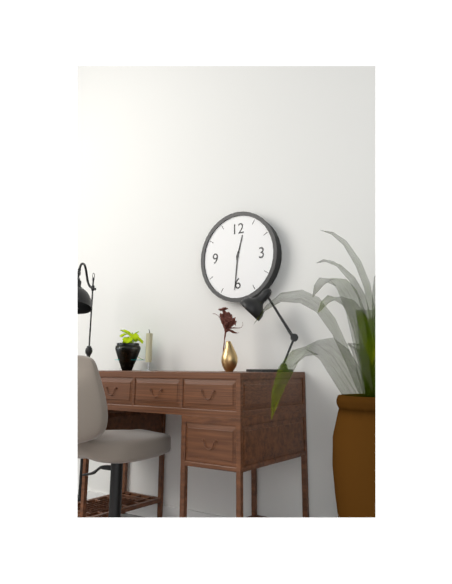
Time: h=12 m=31
